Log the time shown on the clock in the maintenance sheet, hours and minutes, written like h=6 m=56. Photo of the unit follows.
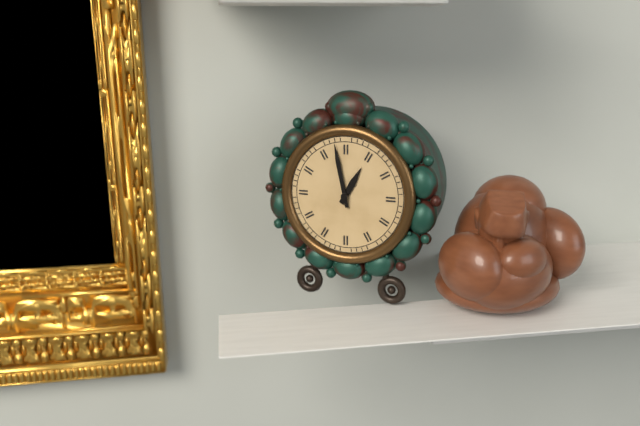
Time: h=12 m=58
